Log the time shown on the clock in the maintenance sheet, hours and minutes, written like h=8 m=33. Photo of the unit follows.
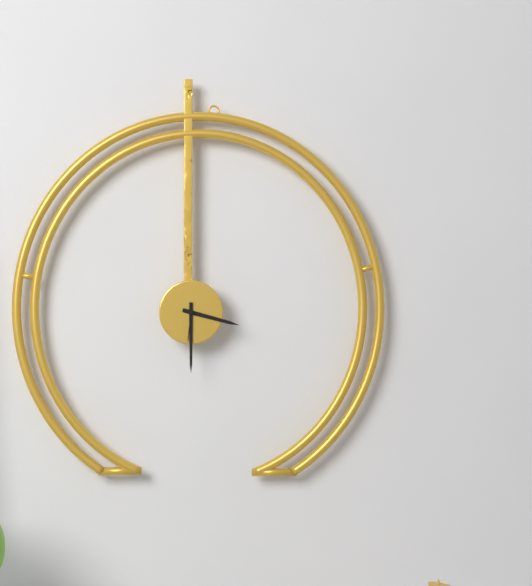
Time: h=3 m=30
